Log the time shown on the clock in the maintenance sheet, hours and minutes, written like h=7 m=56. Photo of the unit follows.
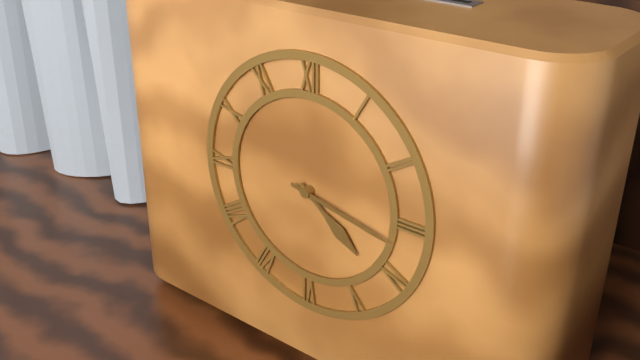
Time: h=4 m=17
